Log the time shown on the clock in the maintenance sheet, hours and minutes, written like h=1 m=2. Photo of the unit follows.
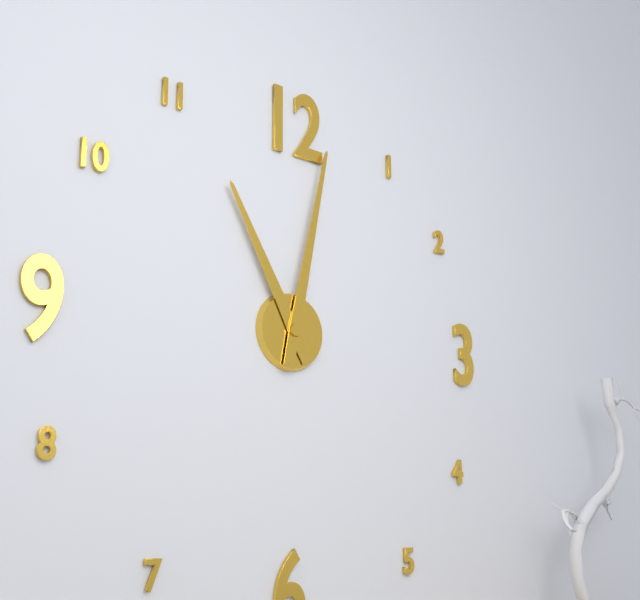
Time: h=11 m=2
